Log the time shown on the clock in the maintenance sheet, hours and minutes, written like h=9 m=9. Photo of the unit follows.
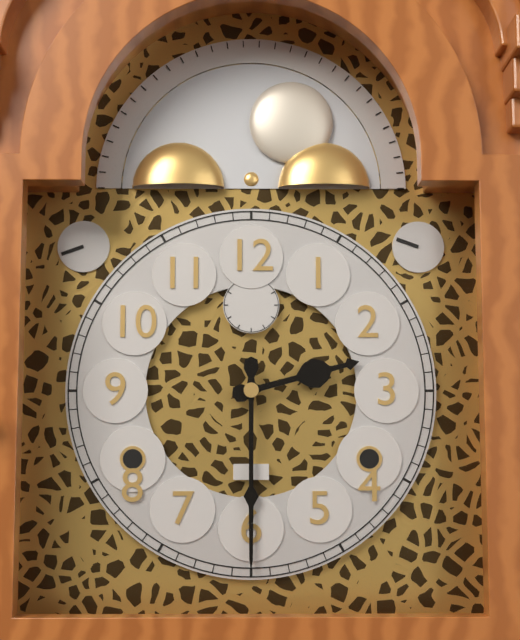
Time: h=2 m=30
